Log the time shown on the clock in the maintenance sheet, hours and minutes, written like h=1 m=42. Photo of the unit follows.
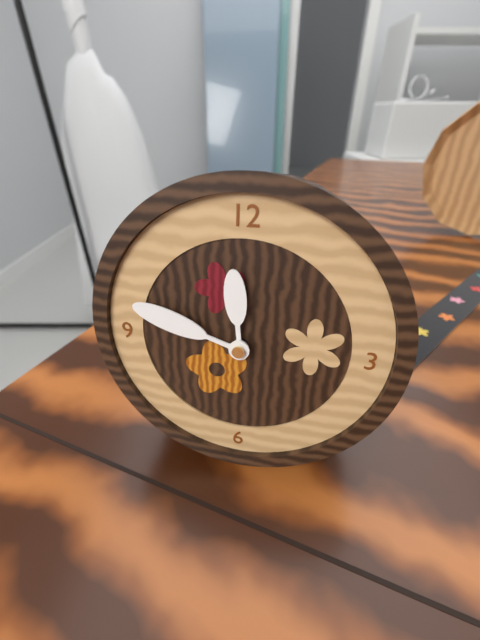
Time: h=11 m=48
